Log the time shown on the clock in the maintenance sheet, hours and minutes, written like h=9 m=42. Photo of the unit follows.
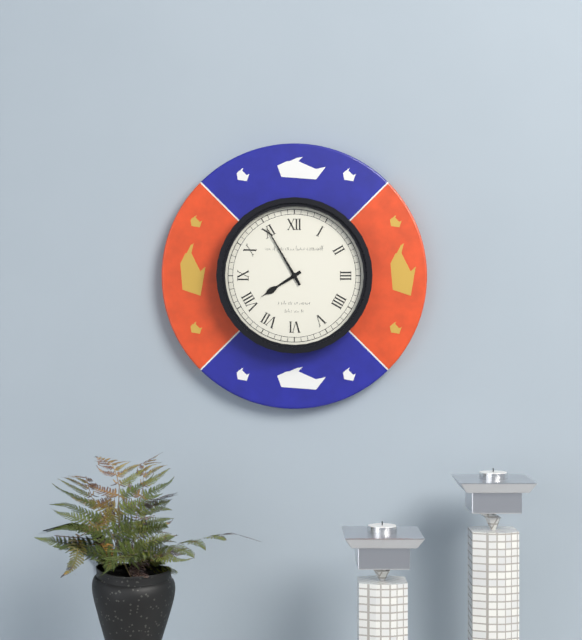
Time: h=7 m=55
